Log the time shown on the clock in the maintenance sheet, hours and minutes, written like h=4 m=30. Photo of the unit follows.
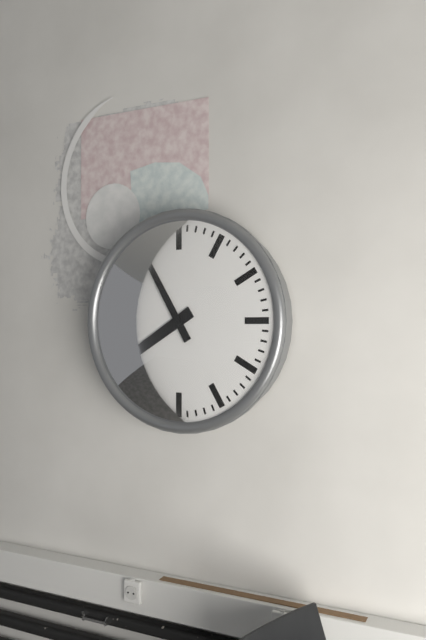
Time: h=7 m=55
